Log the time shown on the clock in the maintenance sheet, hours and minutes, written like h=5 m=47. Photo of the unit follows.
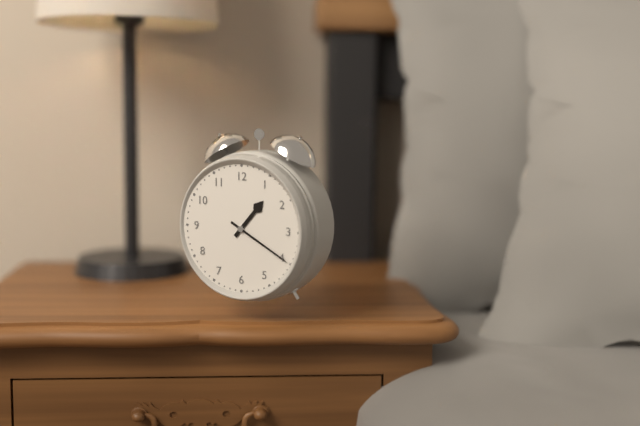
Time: h=1 m=20
